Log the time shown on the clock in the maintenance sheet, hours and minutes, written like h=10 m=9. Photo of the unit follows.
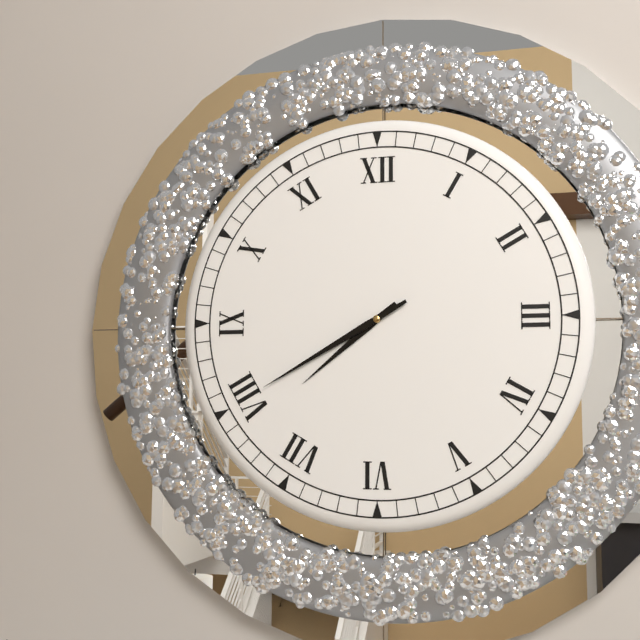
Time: h=7 m=40
